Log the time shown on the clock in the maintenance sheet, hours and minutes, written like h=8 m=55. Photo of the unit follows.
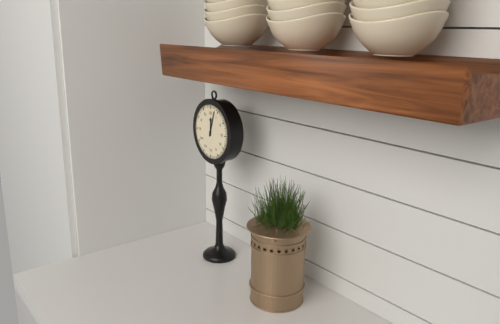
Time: h=12 m=3
